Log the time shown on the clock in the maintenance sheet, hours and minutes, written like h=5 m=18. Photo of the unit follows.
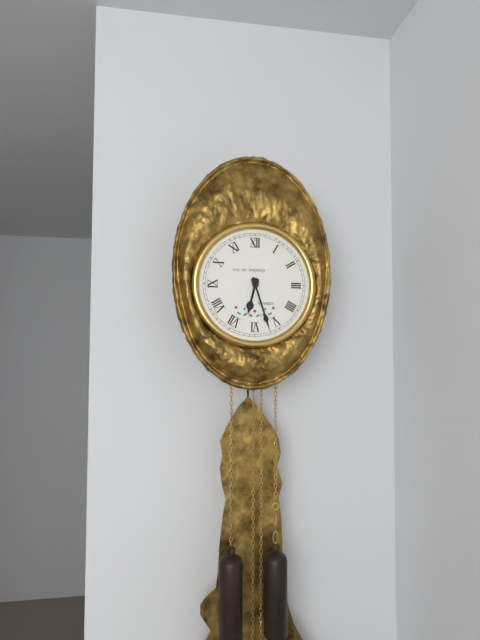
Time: h=6 m=27
